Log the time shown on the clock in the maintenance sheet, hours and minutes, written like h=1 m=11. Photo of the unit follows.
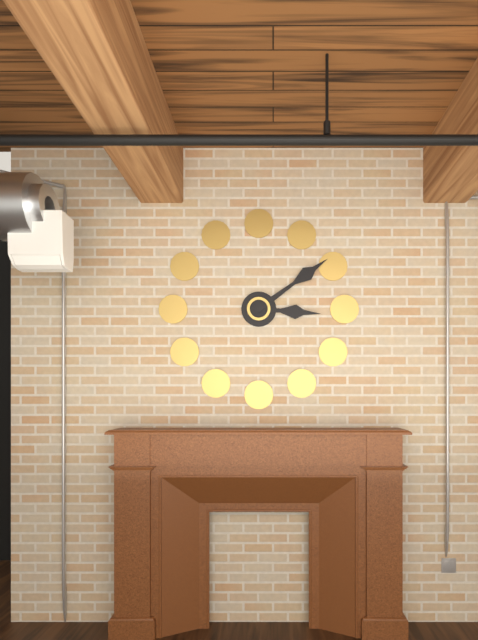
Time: h=3 m=9
